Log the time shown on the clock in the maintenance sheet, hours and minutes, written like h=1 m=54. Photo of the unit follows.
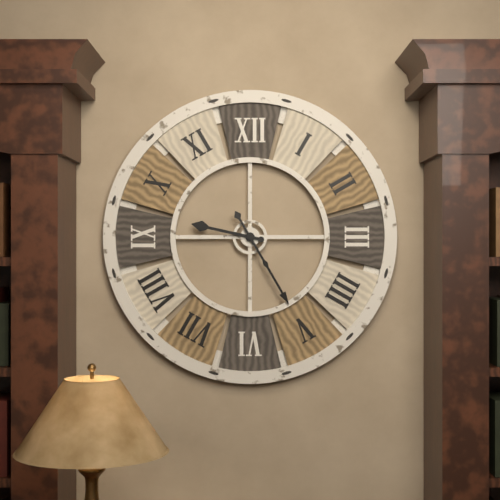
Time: h=9 m=25
